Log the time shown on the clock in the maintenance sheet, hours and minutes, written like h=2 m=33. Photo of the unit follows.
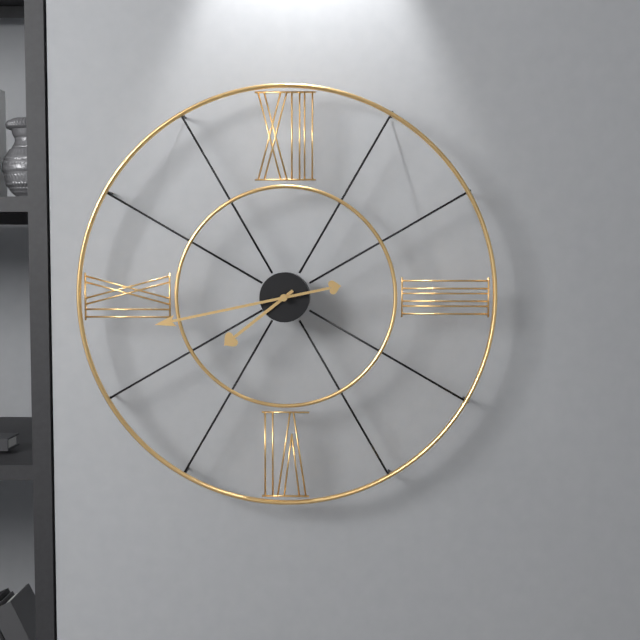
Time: h=7 m=43
